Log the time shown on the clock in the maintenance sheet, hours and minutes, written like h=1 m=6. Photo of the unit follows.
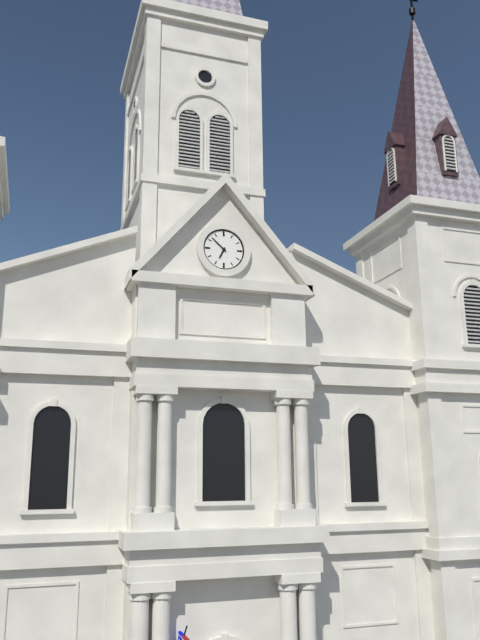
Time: h=6 m=52
